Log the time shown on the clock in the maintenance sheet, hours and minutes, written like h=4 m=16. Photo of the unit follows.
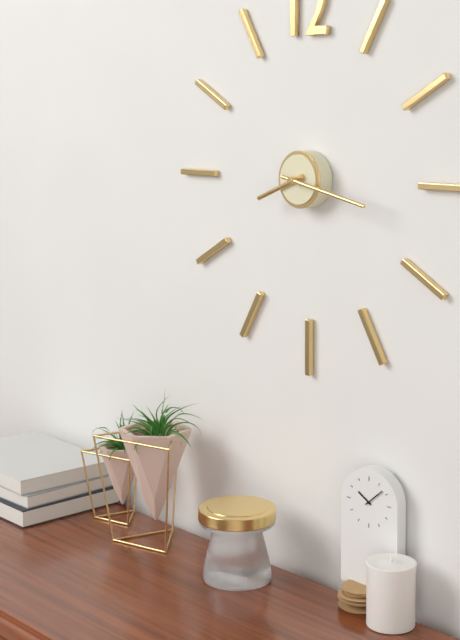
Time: h=8 m=17
